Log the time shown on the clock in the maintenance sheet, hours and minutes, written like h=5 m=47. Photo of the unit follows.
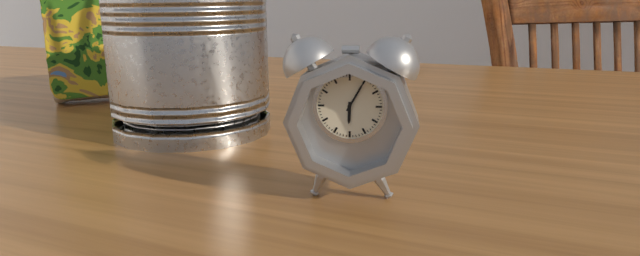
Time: h=6 m=5
